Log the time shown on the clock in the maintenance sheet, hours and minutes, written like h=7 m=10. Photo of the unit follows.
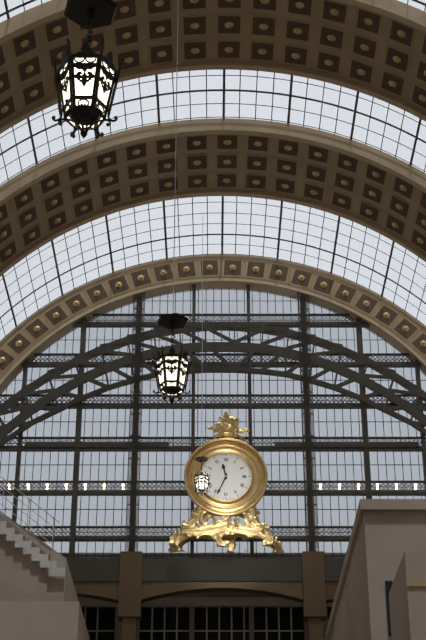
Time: h=11 m=34
